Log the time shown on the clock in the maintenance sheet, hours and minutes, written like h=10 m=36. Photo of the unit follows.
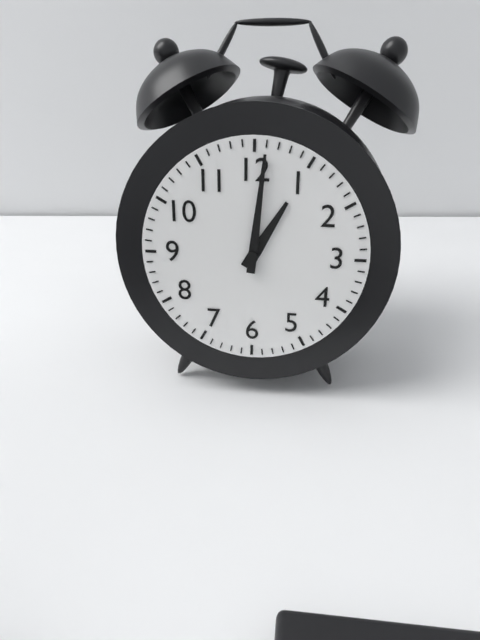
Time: h=1 m=1
